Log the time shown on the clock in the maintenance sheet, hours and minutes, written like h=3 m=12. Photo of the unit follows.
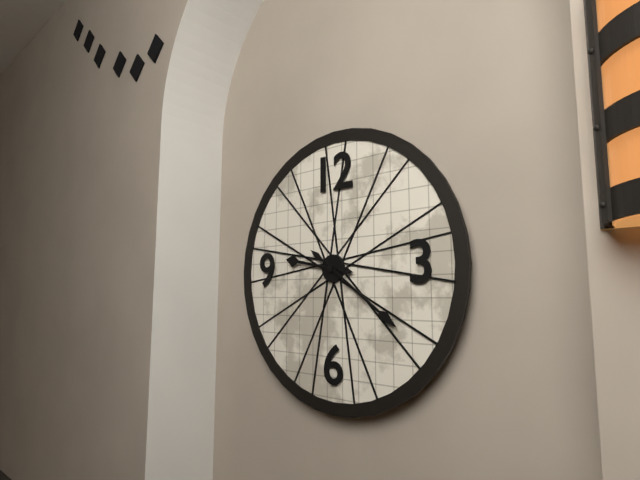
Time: h=9 m=21
